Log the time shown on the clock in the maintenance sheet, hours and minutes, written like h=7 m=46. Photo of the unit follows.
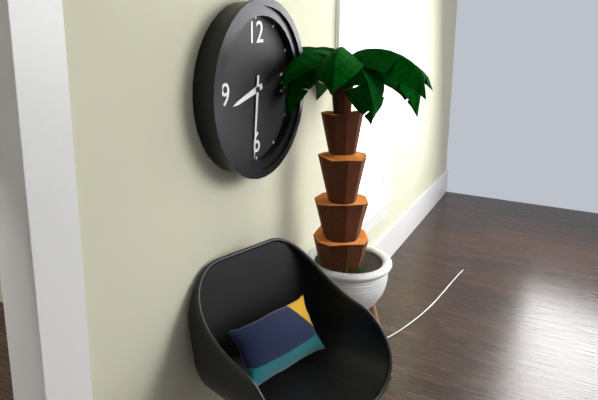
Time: h=8 m=31
